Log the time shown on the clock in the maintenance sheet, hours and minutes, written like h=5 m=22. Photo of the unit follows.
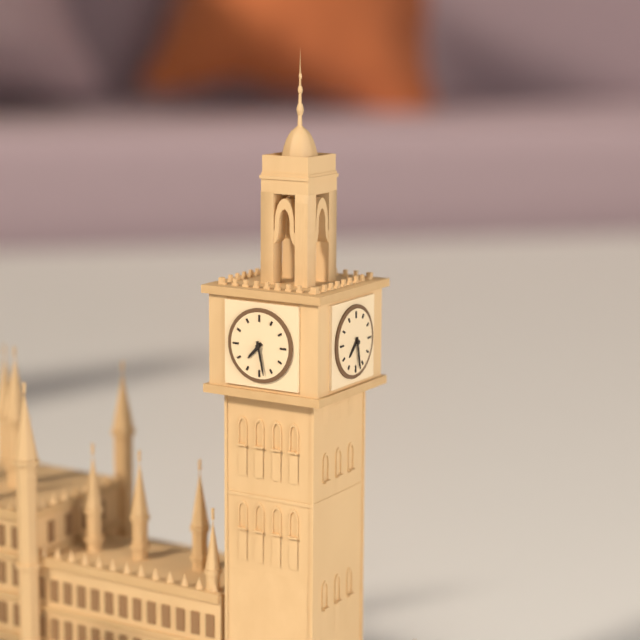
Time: h=7 m=28
